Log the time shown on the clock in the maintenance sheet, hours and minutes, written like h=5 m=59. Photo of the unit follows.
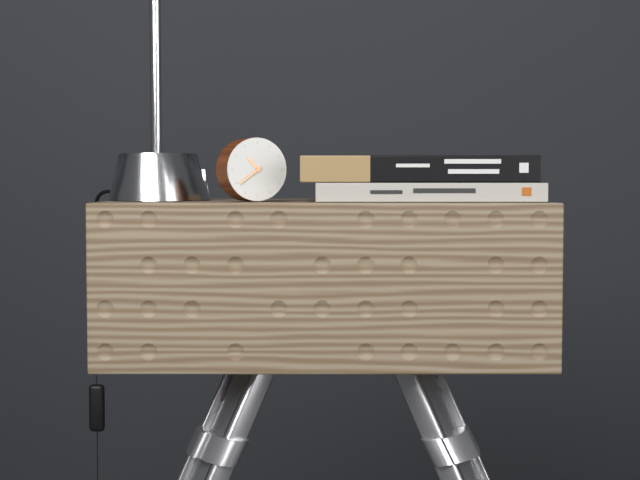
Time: h=10 m=39
